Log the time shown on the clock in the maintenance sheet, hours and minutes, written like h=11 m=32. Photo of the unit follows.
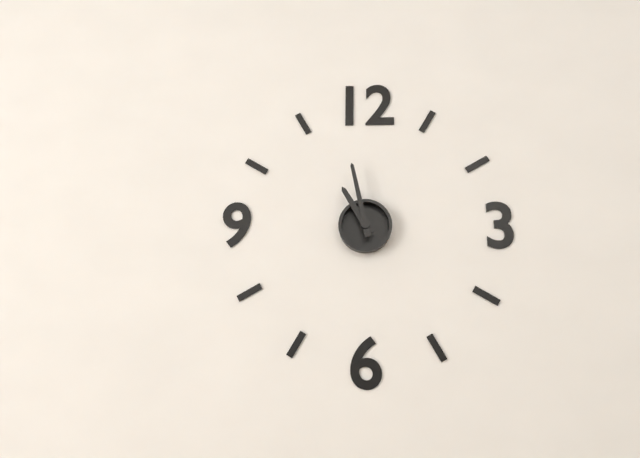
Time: h=10 m=58
